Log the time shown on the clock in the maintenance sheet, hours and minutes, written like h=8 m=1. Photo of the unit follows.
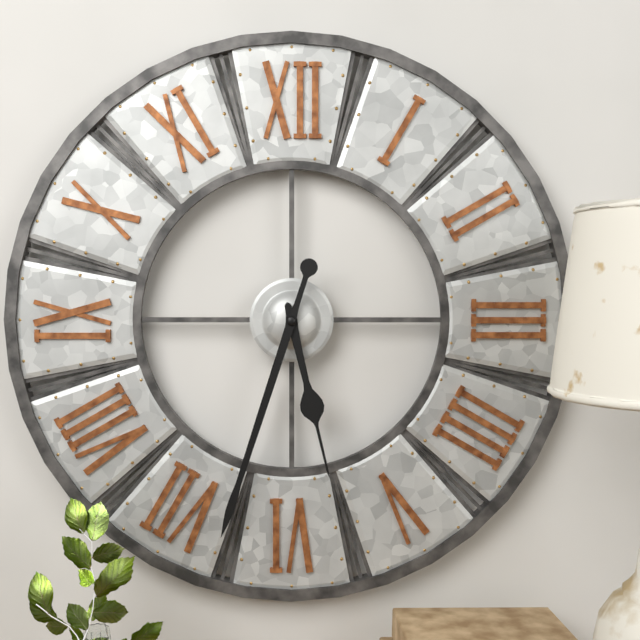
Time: h=5 m=33
